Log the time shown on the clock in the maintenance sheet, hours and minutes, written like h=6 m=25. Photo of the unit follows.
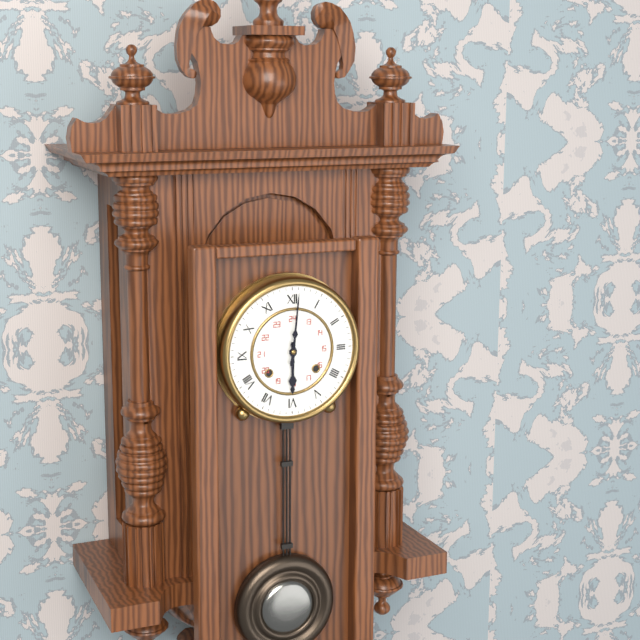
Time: h=6 m=1
